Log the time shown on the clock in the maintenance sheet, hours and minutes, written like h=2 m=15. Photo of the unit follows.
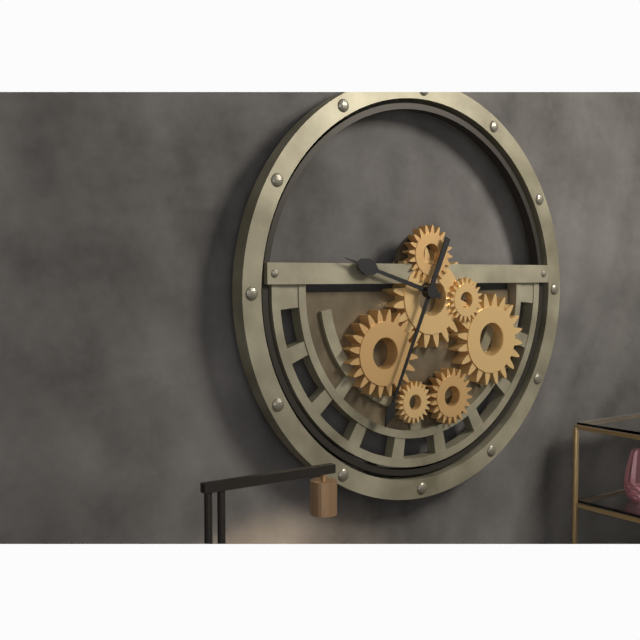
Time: h=9 m=34
